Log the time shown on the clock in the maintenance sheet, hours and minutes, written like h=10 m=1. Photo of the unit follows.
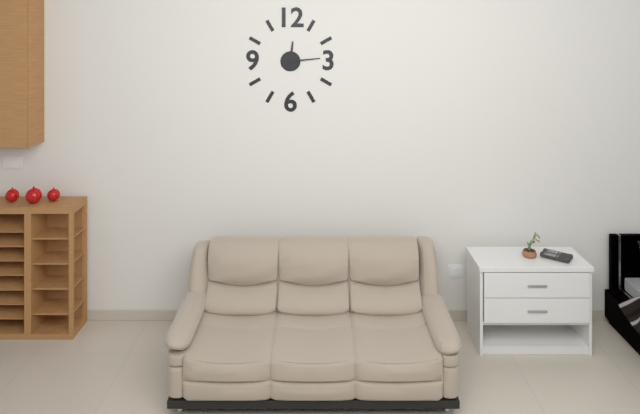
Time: h=12 m=14
